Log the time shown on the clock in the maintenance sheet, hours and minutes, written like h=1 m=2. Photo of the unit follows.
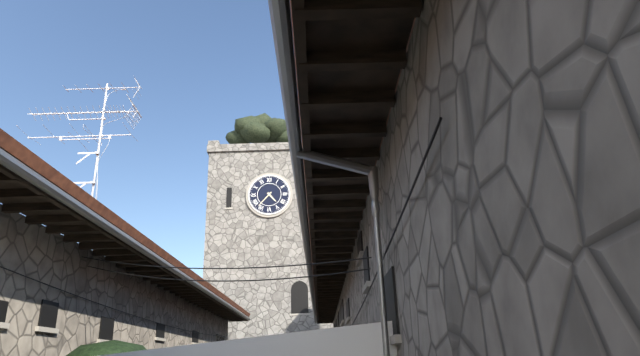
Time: h=4 m=37
